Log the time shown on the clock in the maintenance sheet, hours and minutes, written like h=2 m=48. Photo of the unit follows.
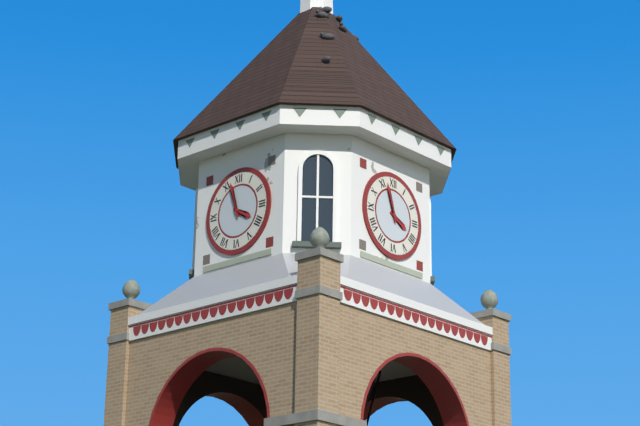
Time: h=3 m=57
